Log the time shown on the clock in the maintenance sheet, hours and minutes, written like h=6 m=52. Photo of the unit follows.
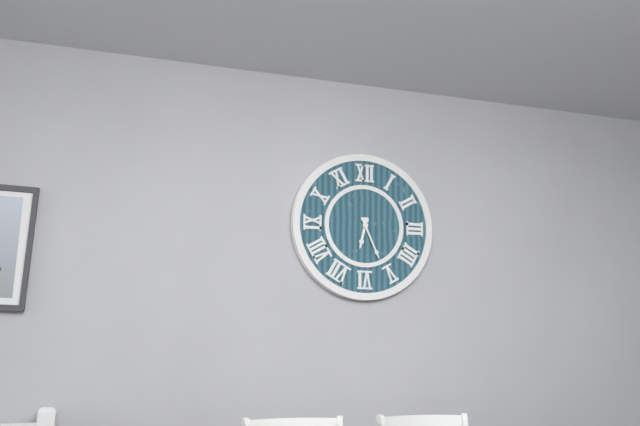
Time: h=6 m=26
